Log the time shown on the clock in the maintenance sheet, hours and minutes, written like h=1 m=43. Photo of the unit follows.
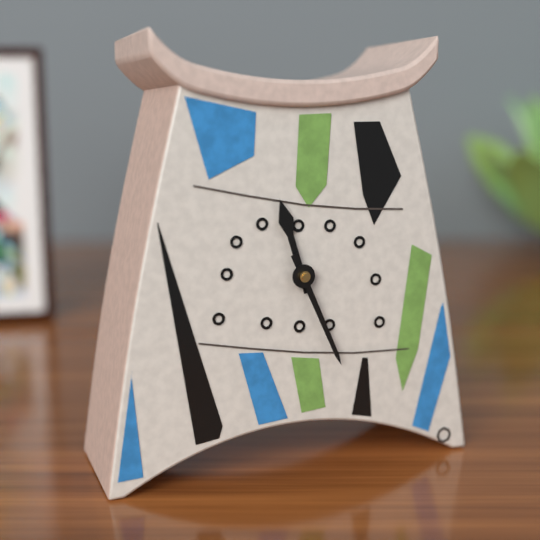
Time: h=11 m=26
